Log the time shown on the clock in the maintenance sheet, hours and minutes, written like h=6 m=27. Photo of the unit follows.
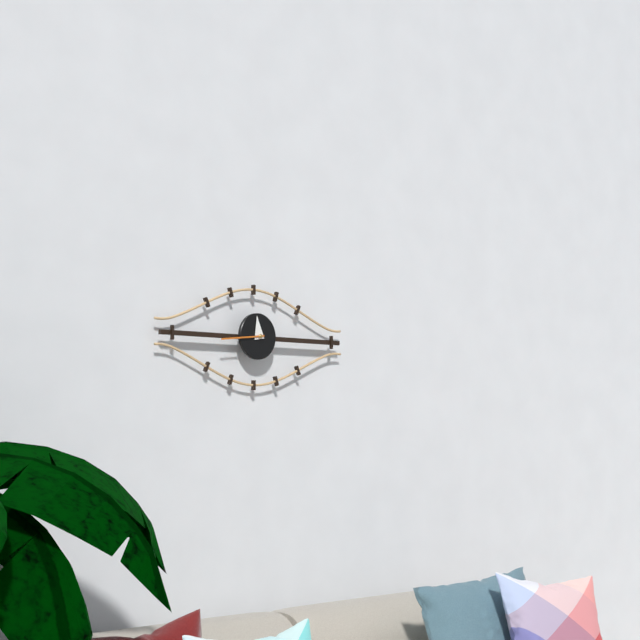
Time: h=11 m=44
